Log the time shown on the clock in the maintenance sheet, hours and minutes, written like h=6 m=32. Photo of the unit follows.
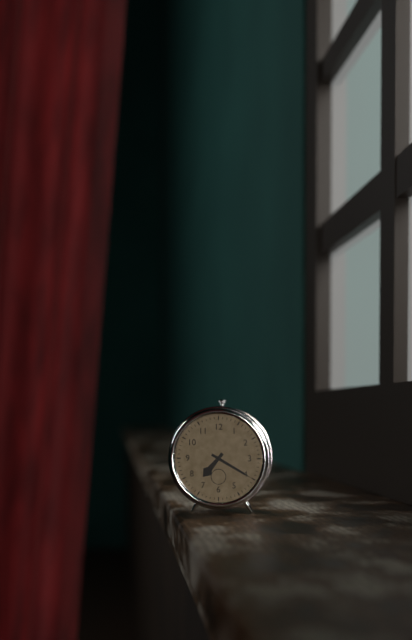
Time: h=7 m=20
